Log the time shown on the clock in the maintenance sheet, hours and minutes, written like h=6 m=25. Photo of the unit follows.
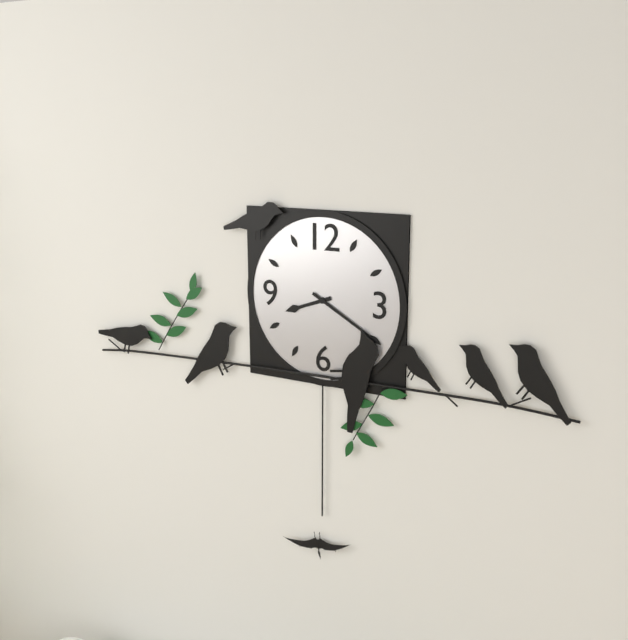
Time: h=8 m=20
